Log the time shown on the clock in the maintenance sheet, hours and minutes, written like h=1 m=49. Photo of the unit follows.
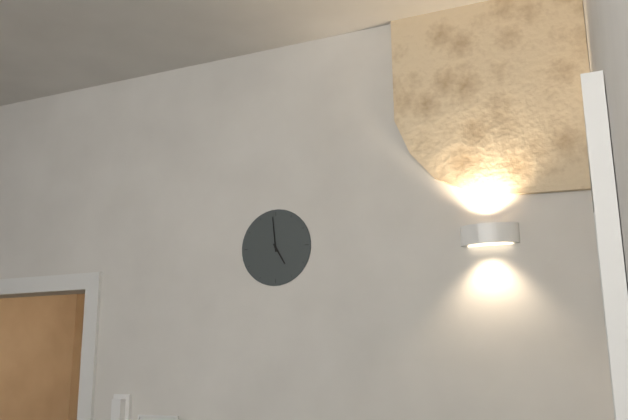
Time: h=4 m=59
